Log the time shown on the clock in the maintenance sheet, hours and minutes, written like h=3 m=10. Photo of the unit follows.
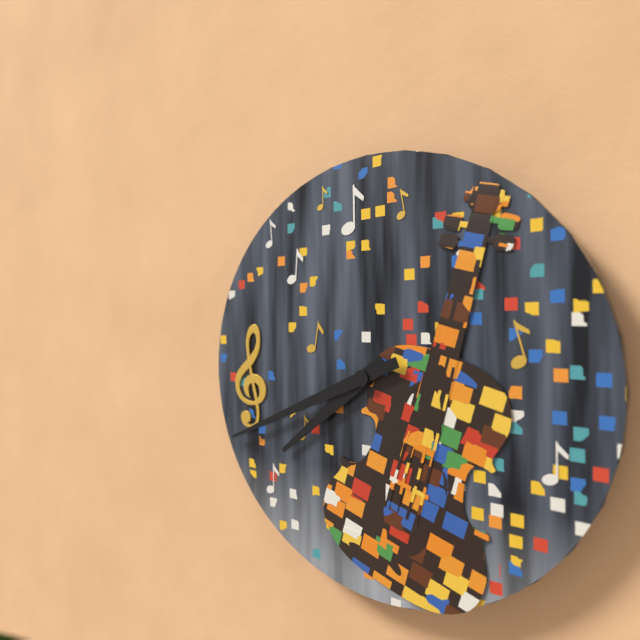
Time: h=7 m=41
